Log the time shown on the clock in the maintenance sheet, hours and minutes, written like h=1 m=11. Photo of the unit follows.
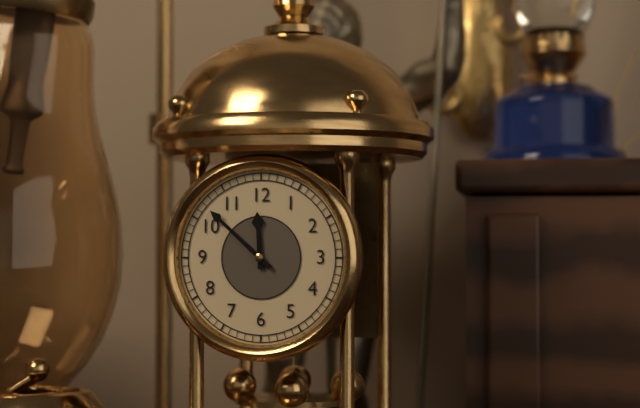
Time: h=11 m=52
